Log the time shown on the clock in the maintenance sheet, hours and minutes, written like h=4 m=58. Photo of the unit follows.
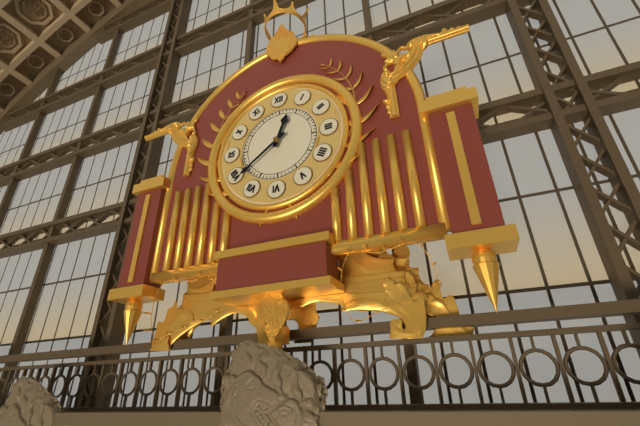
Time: h=12 m=39
